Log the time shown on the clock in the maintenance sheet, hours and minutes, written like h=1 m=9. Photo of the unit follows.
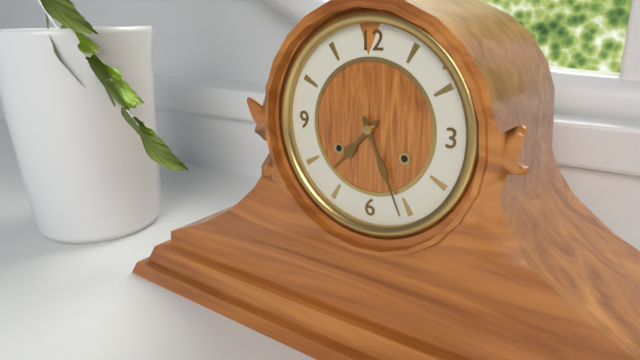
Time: h=7 m=26
